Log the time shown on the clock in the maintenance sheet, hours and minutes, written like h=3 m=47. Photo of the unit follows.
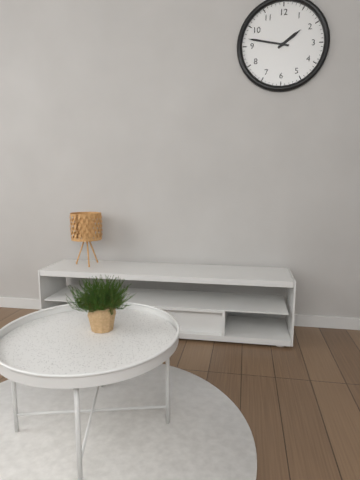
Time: h=1 m=47
